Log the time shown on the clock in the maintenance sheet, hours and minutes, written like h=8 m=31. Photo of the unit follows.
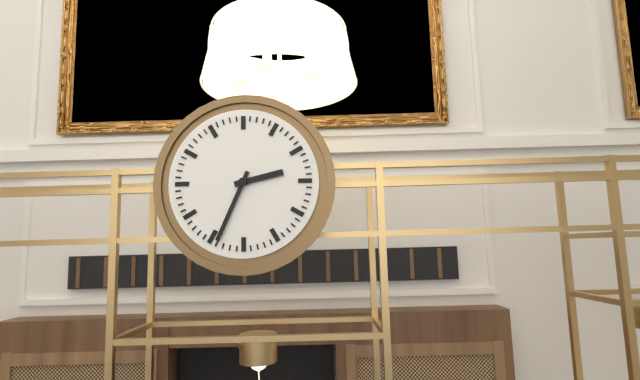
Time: h=2 m=34
